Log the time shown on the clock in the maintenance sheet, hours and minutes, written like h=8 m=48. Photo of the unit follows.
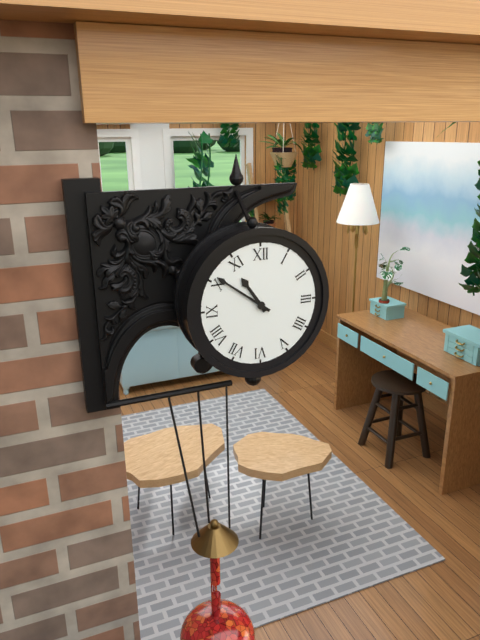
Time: h=10 m=51
